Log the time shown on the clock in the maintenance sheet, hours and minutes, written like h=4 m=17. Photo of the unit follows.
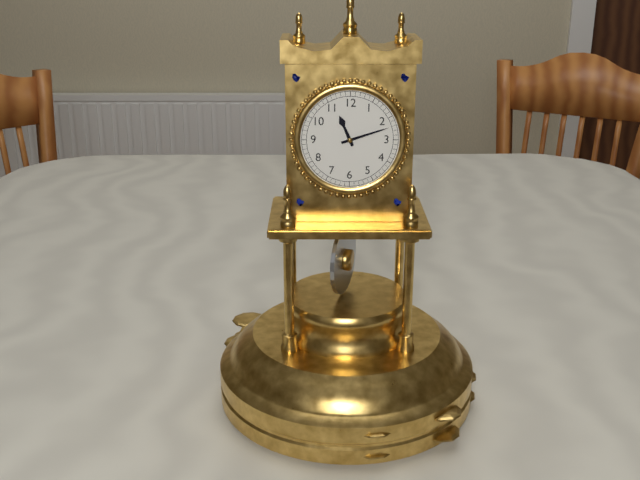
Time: h=11 m=12
